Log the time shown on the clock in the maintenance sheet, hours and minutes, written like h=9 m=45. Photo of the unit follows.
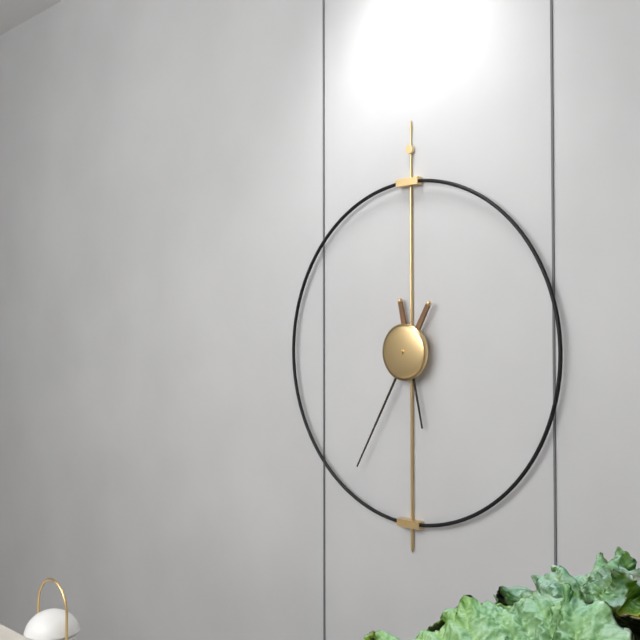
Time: h=5 m=35
